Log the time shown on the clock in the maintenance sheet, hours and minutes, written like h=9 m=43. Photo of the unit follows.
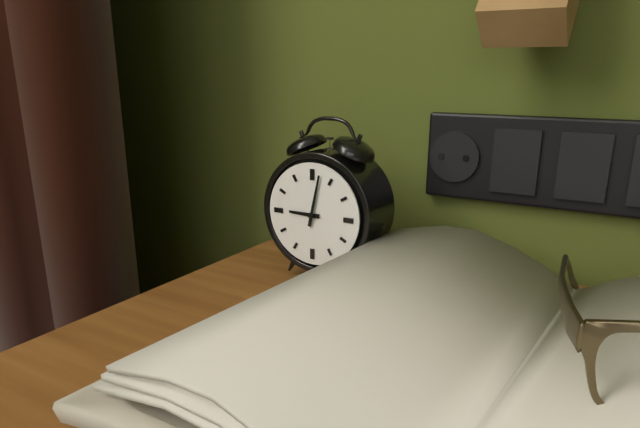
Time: h=9 m=2
